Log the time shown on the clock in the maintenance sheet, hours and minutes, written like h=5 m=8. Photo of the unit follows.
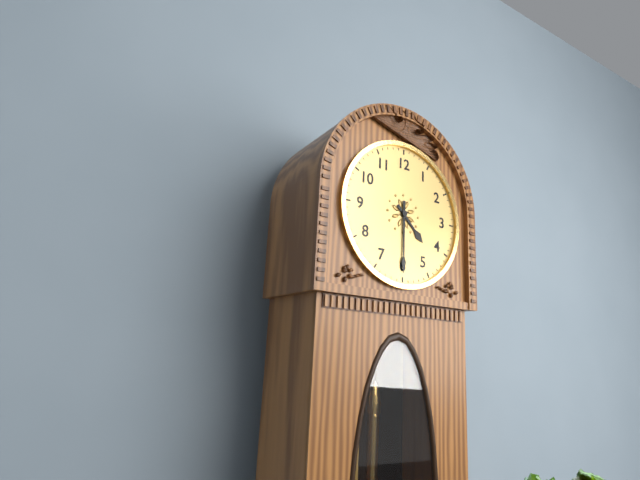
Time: h=4 m=30
